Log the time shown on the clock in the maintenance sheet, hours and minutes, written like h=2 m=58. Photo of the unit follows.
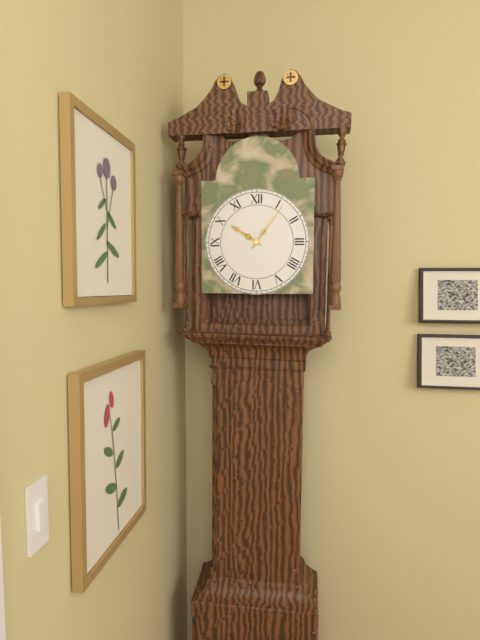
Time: h=10 m=6
